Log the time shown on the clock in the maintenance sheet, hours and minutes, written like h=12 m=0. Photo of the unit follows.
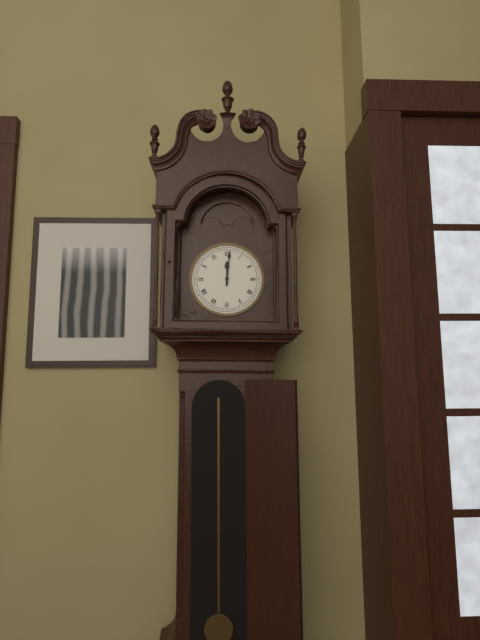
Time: h=12 m=1
